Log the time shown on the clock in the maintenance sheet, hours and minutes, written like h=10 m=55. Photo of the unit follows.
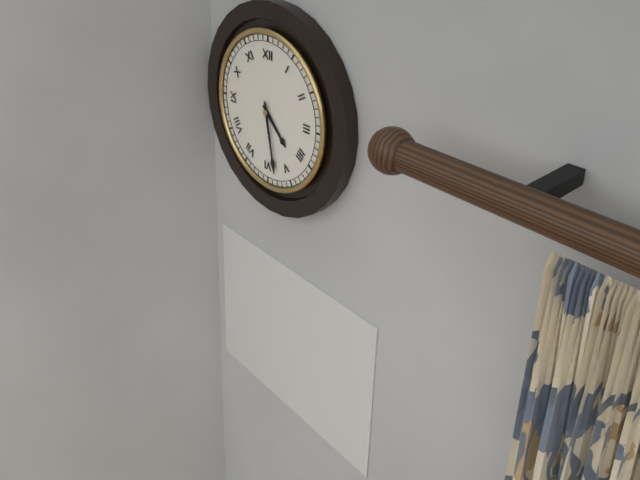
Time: h=4 m=28
